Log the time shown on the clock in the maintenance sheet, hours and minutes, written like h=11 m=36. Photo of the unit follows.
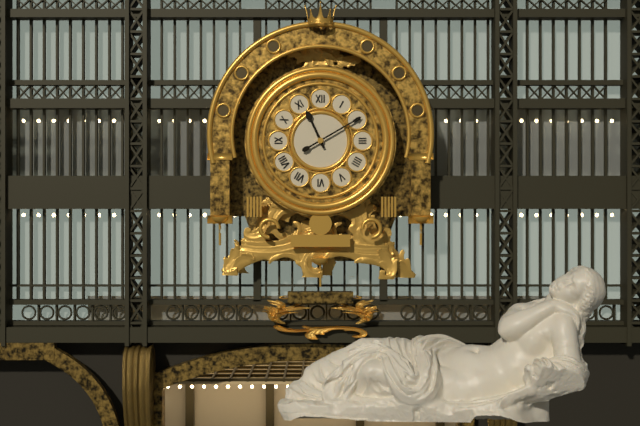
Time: h=11 m=10
